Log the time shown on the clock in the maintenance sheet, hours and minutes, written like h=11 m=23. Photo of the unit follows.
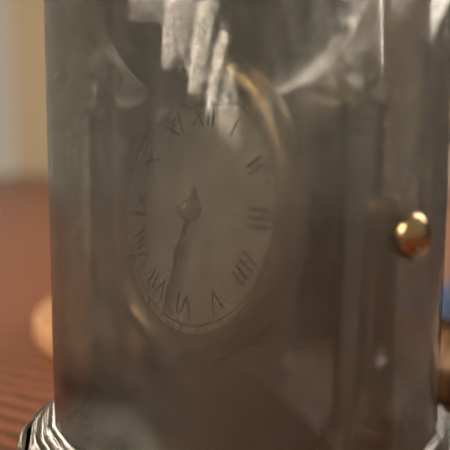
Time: h=6 m=32
